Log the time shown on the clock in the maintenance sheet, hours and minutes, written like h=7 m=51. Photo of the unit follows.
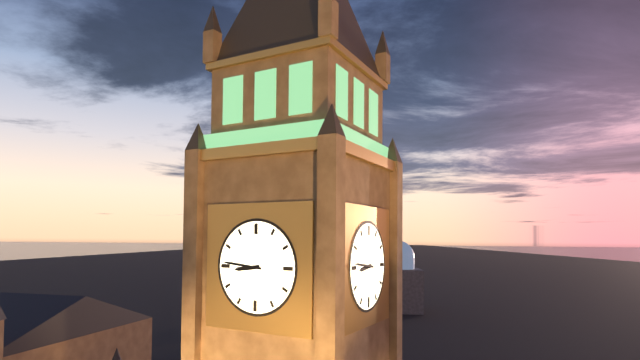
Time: h=8 m=46
